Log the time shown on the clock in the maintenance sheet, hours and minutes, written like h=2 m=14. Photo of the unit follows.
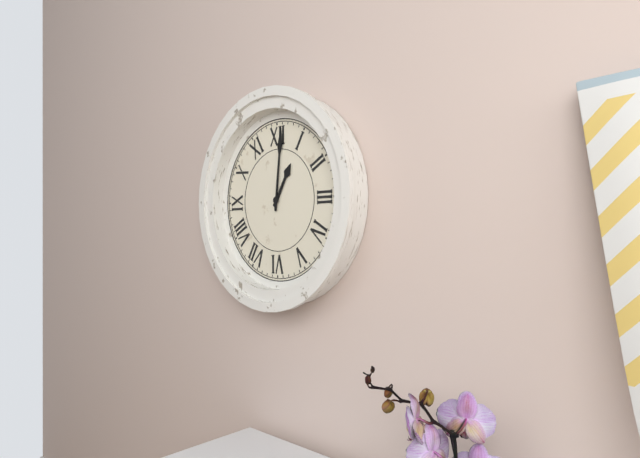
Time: h=1 m=1
